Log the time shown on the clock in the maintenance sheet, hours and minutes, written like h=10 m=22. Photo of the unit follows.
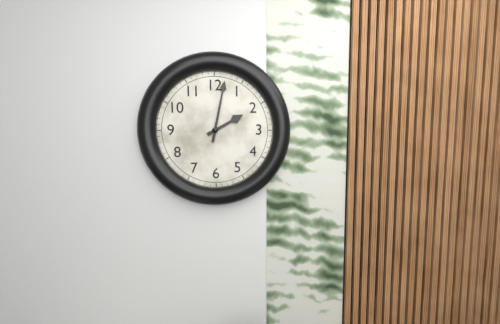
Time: h=2 m=2
